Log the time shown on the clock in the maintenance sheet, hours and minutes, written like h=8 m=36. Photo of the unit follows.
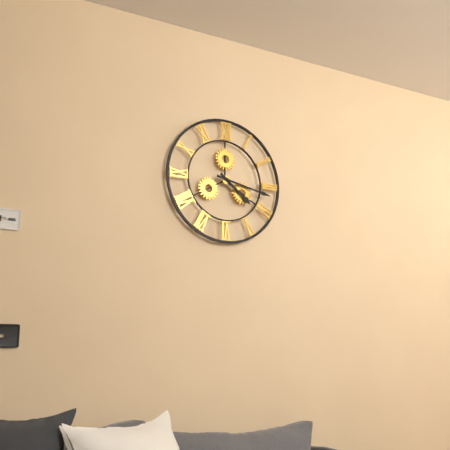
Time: h=4 m=17
